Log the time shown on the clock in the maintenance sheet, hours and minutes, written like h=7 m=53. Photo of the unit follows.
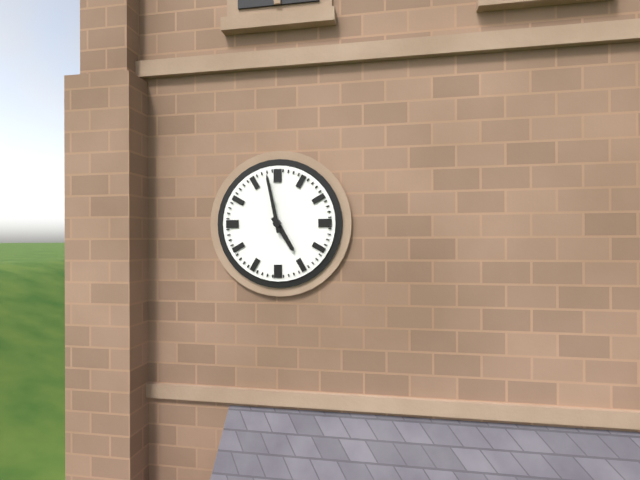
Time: h=4 m=58
